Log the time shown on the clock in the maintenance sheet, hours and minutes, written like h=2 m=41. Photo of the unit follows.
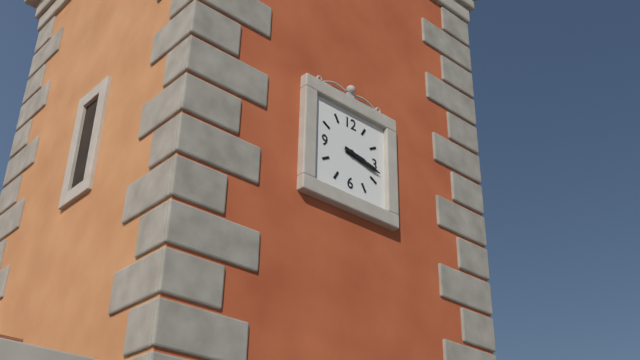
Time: h=3 m=17
